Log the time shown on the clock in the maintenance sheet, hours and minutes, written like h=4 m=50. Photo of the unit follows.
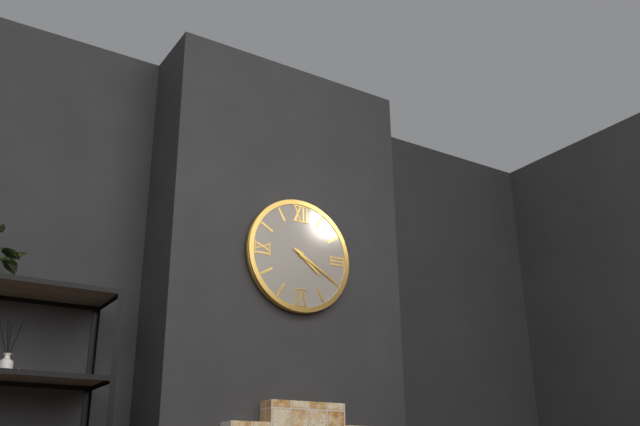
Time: h=4 m=20
